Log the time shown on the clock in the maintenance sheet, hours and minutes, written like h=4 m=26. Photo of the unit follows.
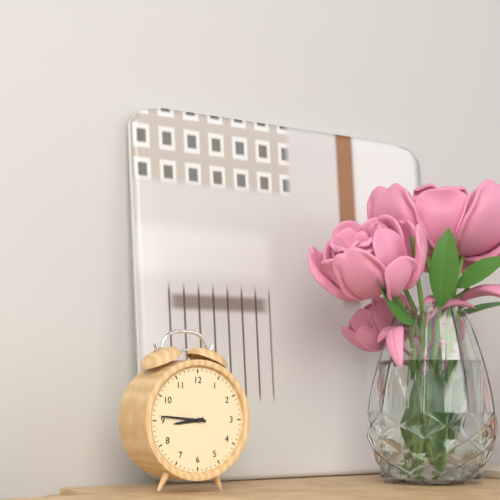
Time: h=8 m=46
